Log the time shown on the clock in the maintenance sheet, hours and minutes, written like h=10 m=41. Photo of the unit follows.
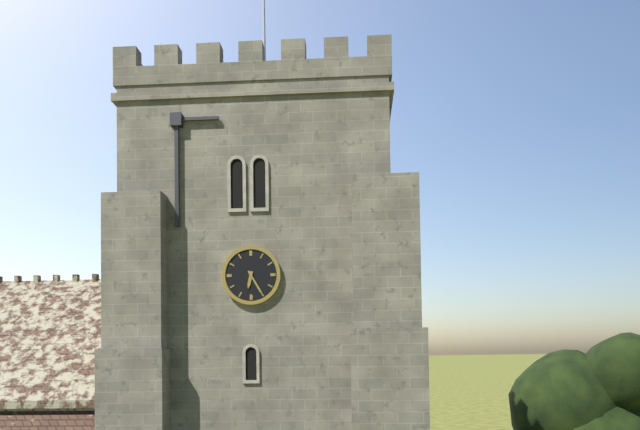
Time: h=6 m=25
